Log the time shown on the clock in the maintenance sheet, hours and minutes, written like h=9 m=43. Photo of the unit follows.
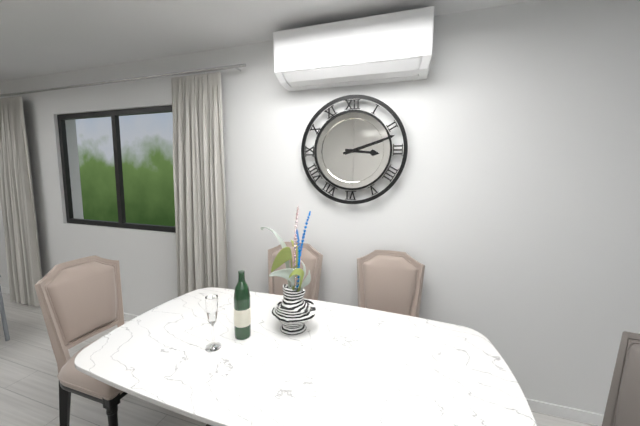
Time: h=3 m=12
